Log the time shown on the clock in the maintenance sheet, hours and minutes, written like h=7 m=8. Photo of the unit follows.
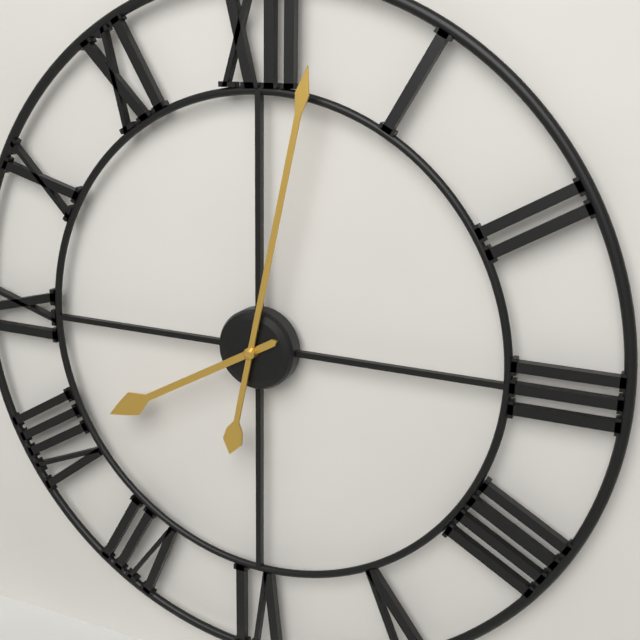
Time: h=8 m=2
